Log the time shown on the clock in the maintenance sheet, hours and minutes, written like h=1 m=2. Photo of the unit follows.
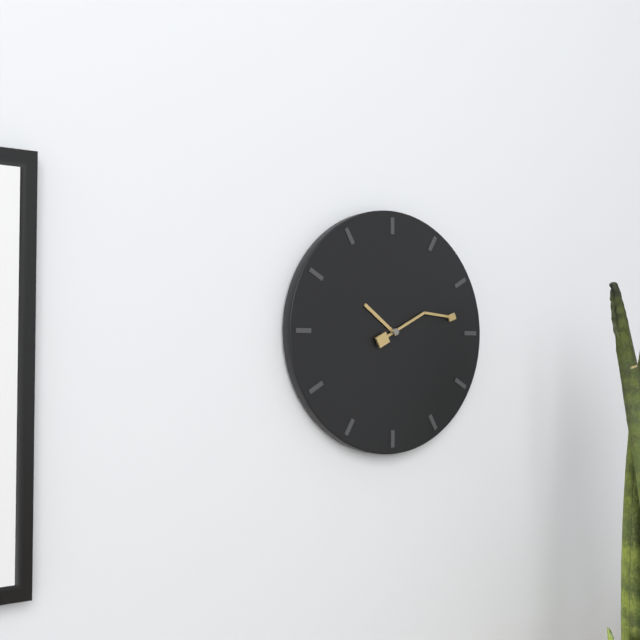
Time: h=10 m=13
